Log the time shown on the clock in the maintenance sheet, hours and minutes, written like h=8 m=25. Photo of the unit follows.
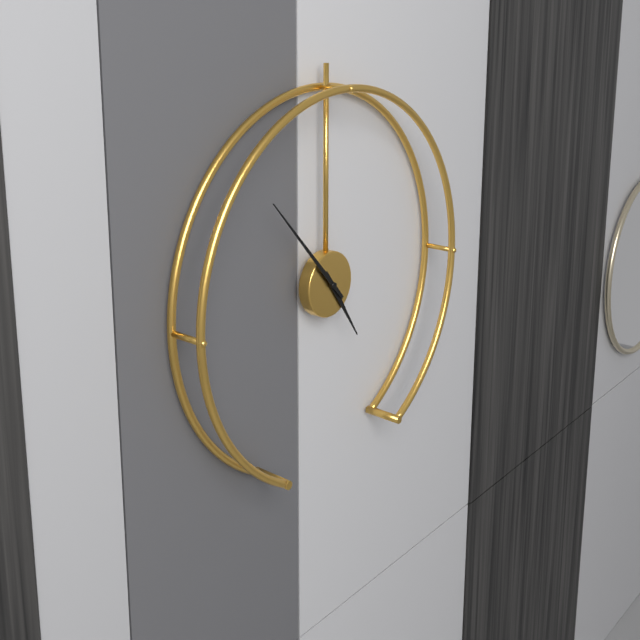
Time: h=4 m=53
